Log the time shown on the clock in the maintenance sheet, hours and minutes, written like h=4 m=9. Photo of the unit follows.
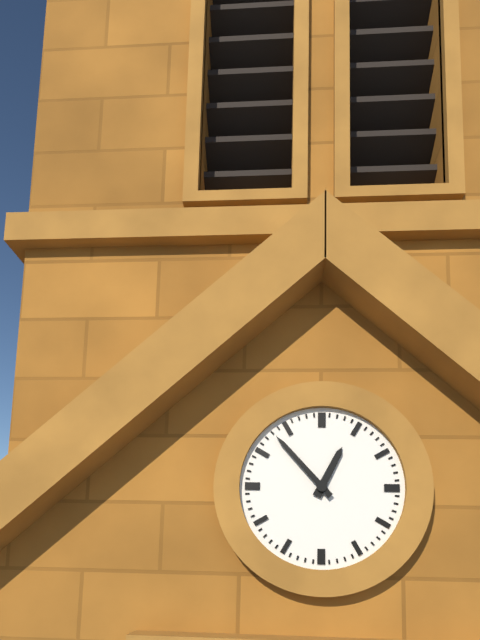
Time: h=12 m=53
